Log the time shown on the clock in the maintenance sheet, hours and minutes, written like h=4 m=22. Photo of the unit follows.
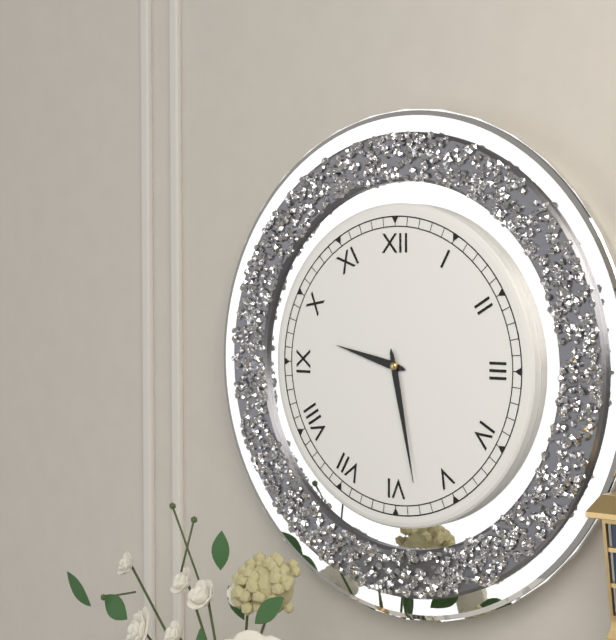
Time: h=9 m=28
